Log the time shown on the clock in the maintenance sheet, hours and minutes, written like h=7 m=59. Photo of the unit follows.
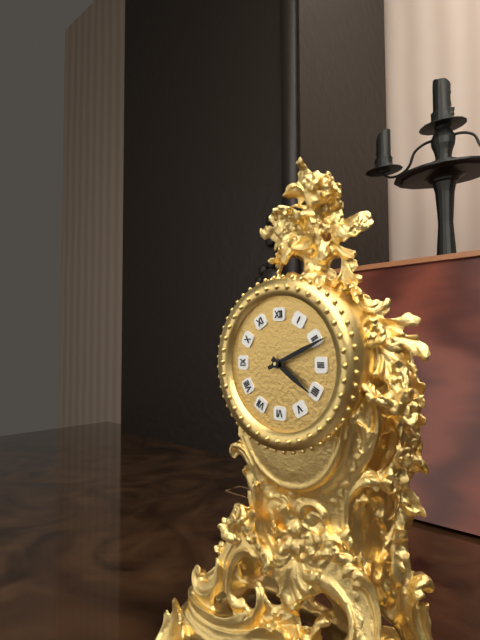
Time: h=4 m=11
